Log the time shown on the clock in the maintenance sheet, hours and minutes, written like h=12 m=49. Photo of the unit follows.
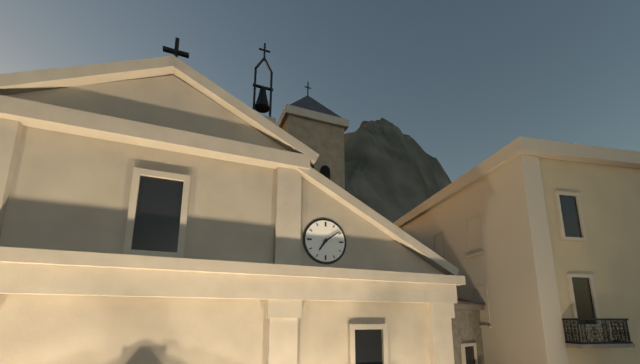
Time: h=7 m=9
